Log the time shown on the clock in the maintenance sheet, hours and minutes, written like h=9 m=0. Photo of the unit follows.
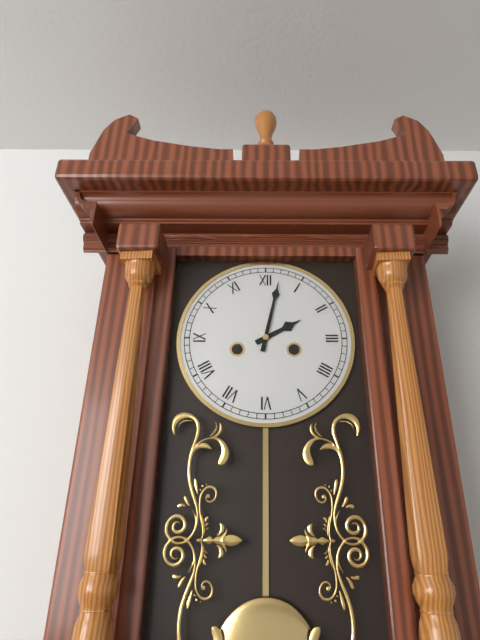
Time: h=2 m=2
